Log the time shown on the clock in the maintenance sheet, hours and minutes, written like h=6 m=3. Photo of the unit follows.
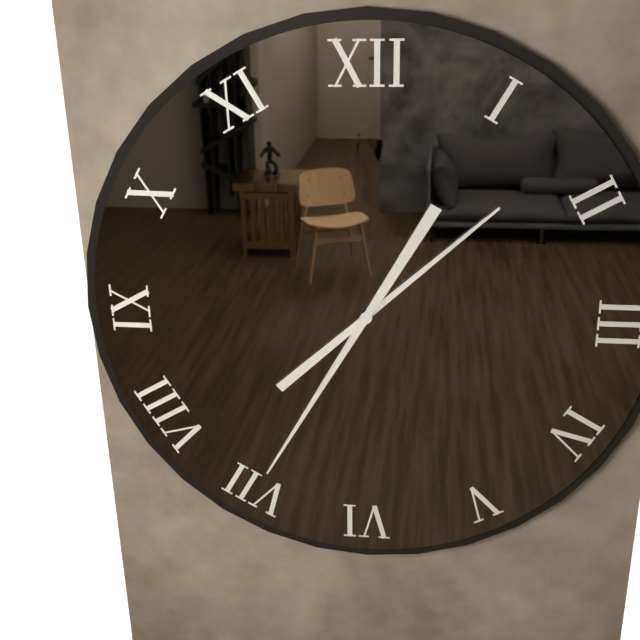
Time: h=1 m=35
